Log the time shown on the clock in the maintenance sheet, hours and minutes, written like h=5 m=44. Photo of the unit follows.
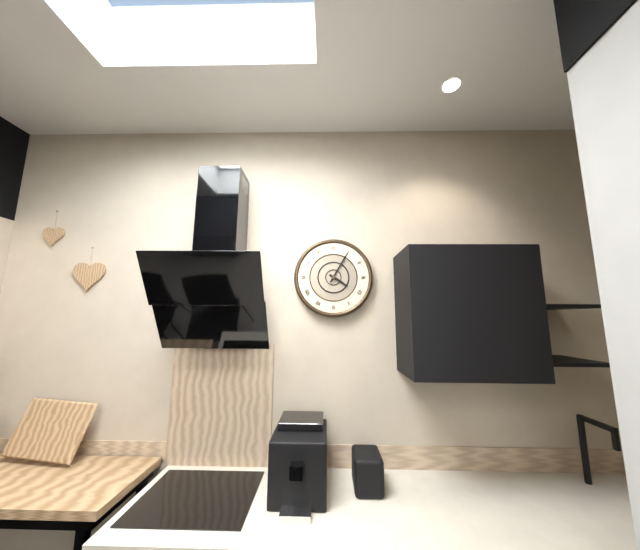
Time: h=4 m=5
